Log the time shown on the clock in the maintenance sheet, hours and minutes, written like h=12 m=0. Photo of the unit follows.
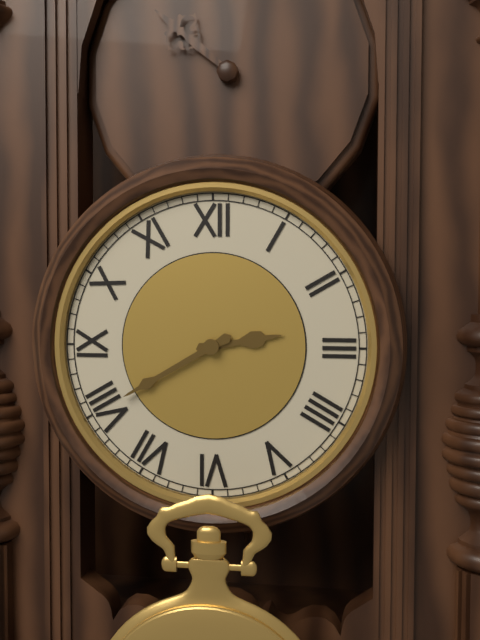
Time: h=2 m=40
